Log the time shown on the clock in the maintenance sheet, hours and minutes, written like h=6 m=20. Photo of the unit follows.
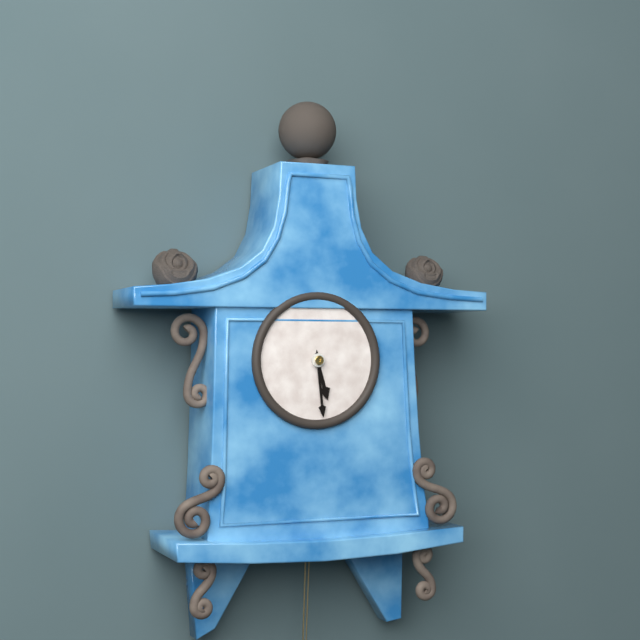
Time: h=5 m=29
